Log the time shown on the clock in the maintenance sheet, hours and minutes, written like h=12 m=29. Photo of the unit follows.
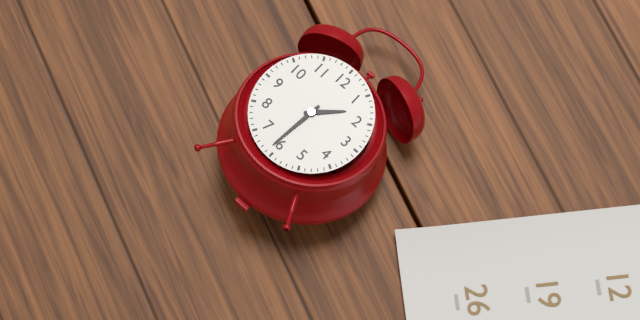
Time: h=1 m=31
